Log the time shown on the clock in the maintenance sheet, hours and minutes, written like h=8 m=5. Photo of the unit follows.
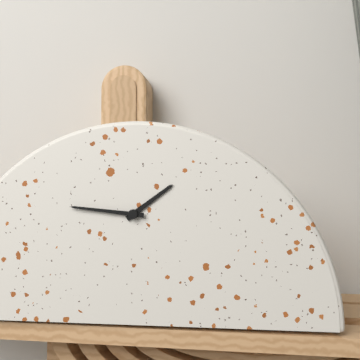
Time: h=1 m=46
